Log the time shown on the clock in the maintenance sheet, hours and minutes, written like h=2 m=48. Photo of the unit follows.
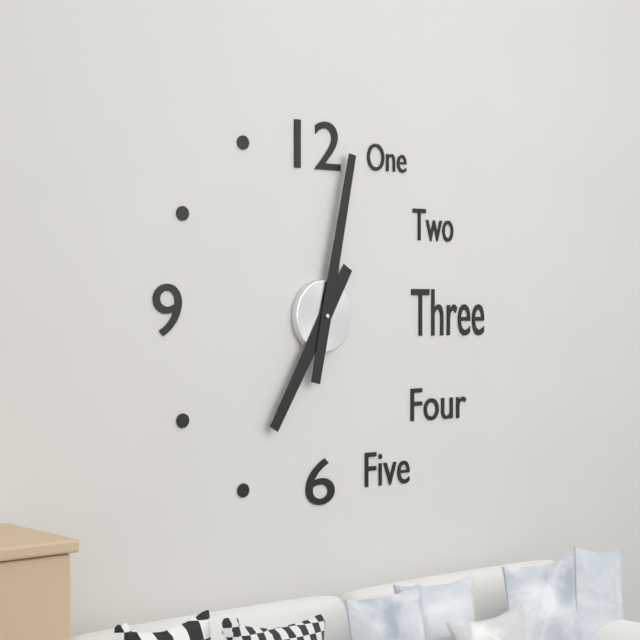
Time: h=7 m=2
